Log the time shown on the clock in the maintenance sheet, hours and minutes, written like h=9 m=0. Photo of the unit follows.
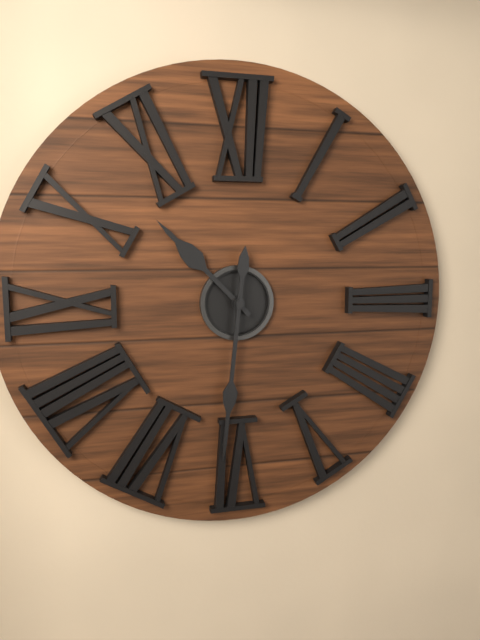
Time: h=10 m=31
